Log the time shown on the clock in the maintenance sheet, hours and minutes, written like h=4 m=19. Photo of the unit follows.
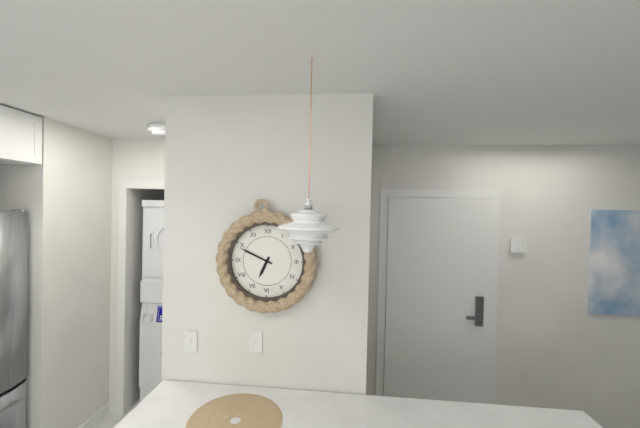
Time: h=6 m=49
